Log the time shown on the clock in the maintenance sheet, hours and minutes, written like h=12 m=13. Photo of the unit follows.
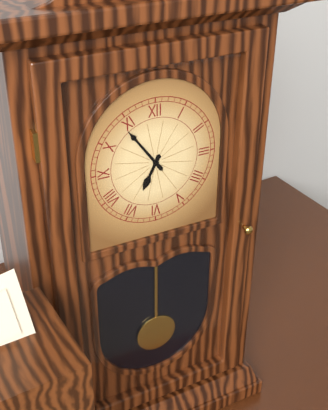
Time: h=6 m=54
